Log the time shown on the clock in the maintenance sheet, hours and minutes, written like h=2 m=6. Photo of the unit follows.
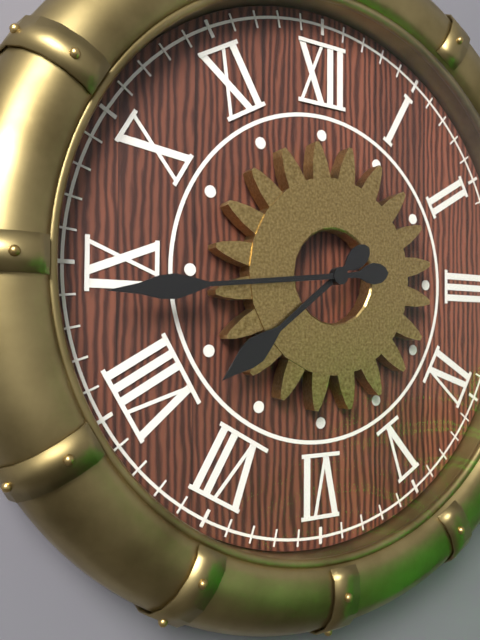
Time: h=7 m=44
